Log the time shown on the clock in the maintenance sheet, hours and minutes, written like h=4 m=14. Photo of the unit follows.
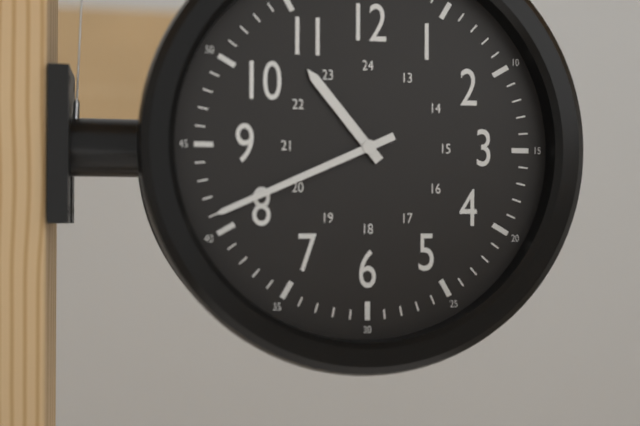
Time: h=10 m=41
